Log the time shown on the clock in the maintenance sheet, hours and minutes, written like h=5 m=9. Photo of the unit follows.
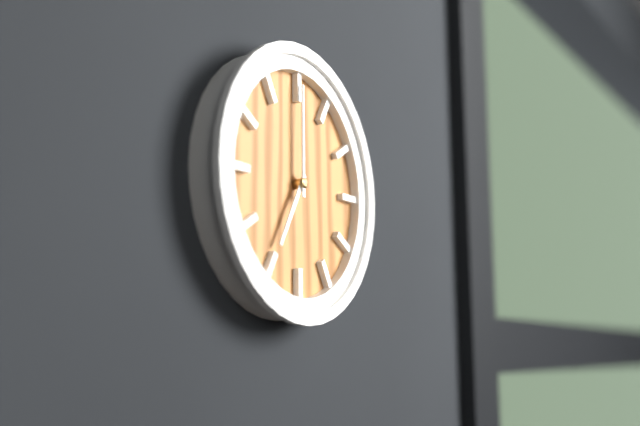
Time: h=7 m=0
